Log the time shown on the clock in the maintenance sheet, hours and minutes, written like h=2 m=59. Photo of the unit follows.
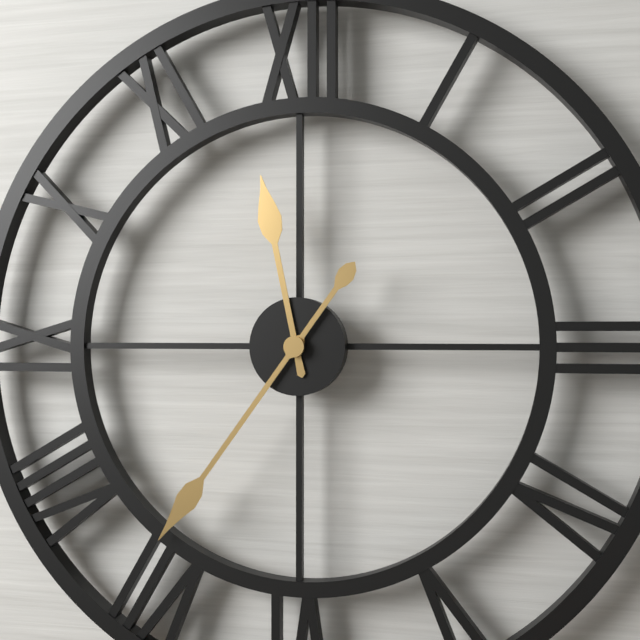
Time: h=11 m=36
